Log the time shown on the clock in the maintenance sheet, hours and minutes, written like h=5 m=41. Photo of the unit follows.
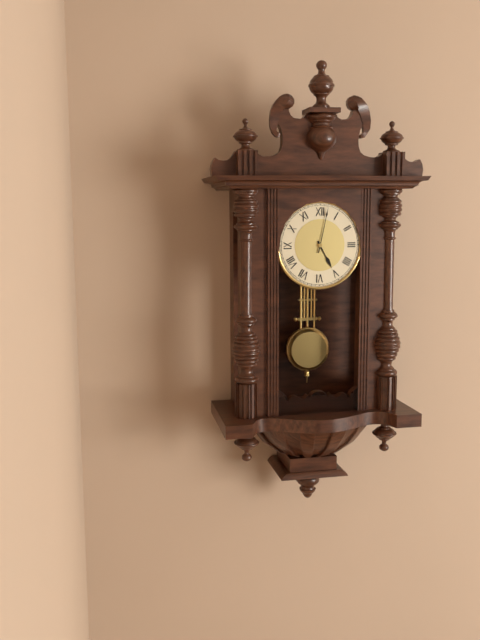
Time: h=5 m=2
